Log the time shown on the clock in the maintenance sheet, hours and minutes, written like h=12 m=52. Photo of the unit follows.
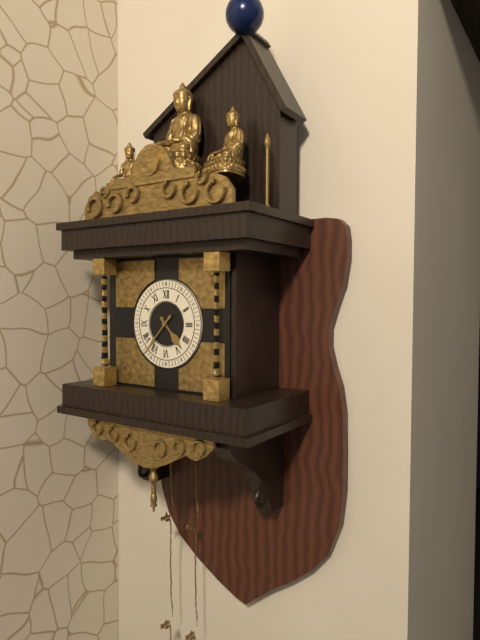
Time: h=4 m=37
